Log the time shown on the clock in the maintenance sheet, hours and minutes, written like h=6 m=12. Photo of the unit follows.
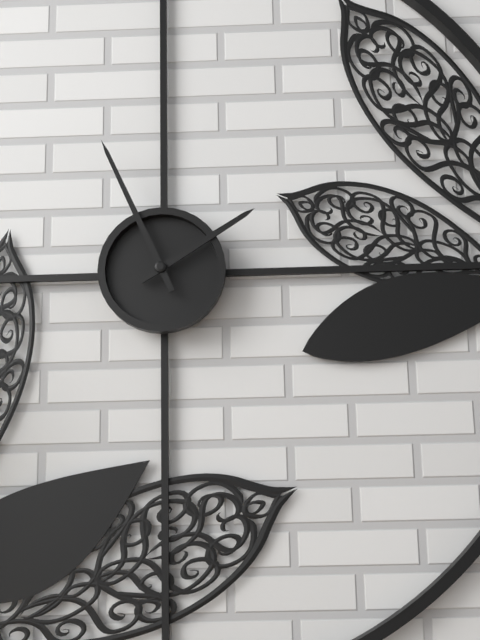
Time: h=1 m=56
